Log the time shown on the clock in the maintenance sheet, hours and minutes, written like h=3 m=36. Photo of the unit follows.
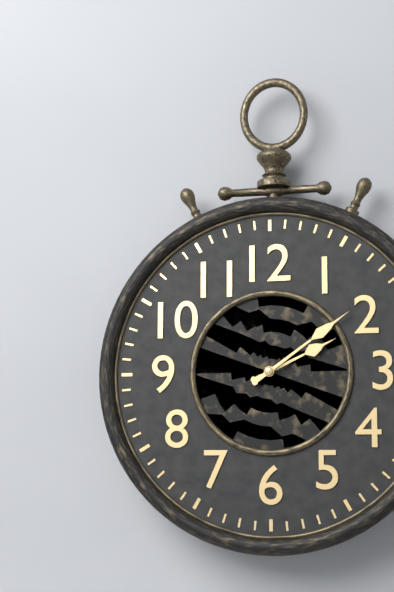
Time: h=2 m=9
